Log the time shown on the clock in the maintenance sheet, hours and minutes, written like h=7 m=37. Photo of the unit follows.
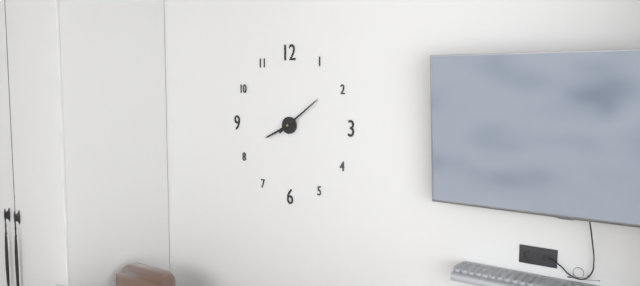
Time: h=8 m=9
